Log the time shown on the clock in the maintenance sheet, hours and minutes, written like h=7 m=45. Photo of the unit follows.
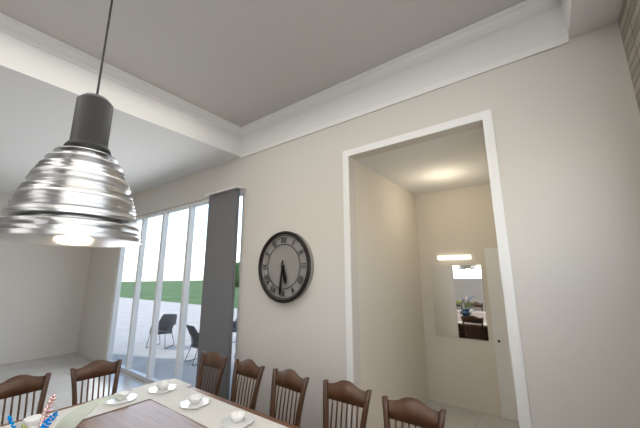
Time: h=5 m=31
